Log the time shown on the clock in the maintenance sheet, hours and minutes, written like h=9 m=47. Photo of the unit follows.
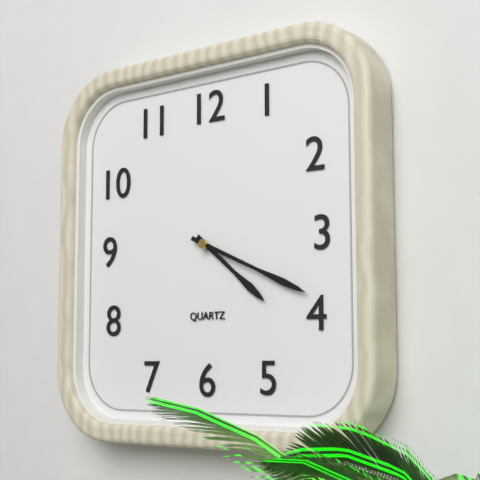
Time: h=4 m=19
